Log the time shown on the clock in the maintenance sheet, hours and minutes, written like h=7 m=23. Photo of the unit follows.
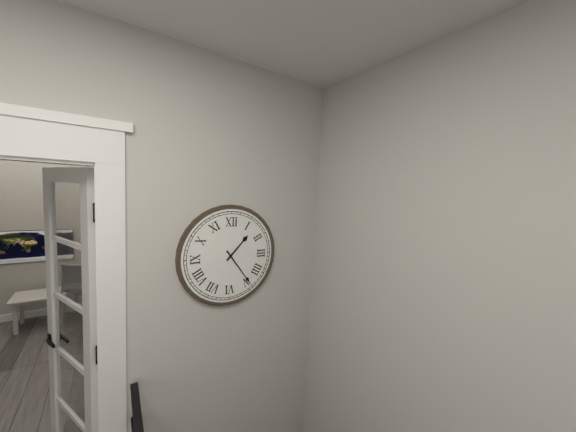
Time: h=1 m=24
